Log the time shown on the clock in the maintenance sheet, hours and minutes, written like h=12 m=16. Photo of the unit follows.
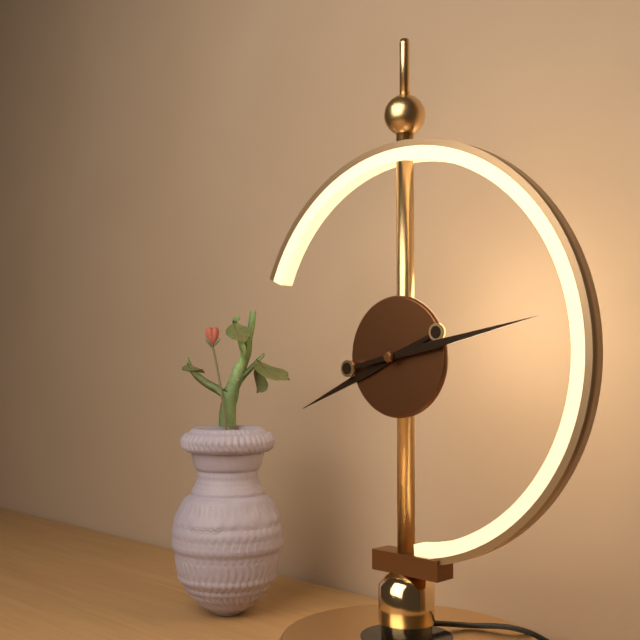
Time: h=8 m=13
